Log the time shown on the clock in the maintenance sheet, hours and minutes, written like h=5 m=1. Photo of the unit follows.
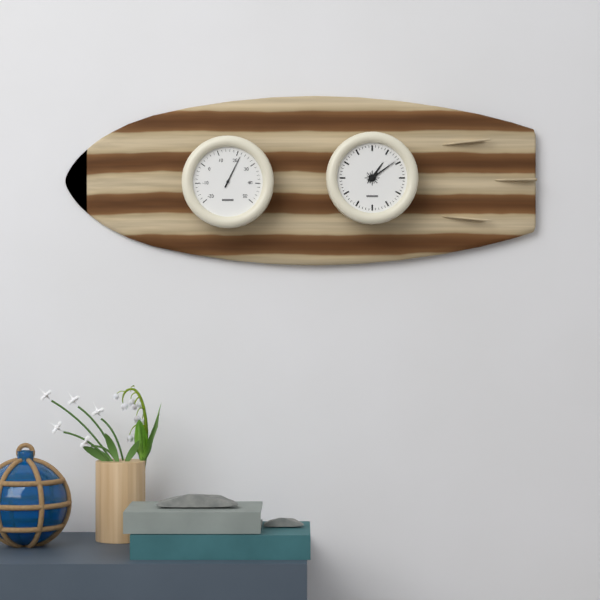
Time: h=1 m=9
